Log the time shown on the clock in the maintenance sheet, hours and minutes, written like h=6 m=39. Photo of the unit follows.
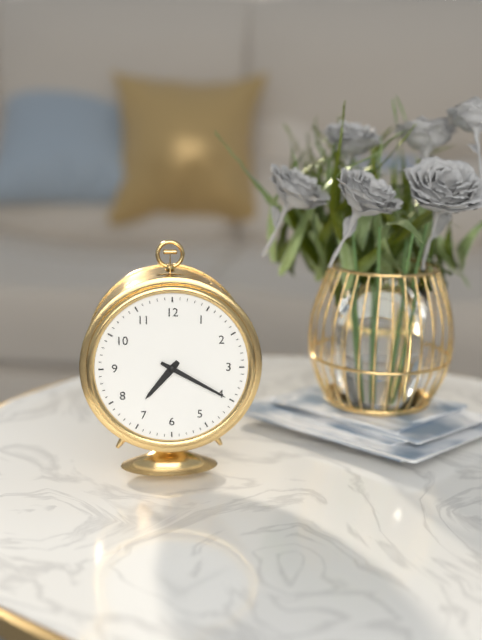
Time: h=7 m=20
